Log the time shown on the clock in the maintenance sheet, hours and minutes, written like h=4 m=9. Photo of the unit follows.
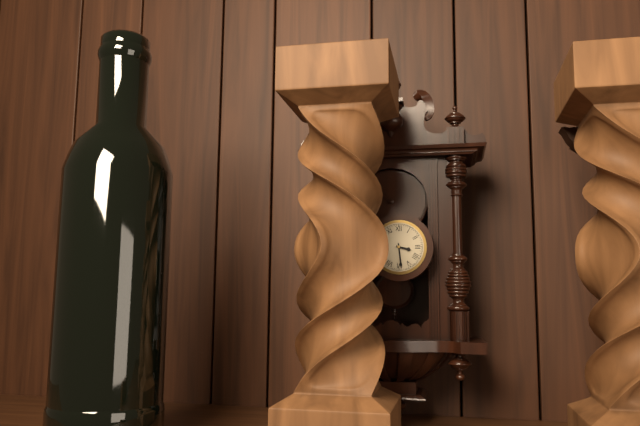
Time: h=3 m=29
